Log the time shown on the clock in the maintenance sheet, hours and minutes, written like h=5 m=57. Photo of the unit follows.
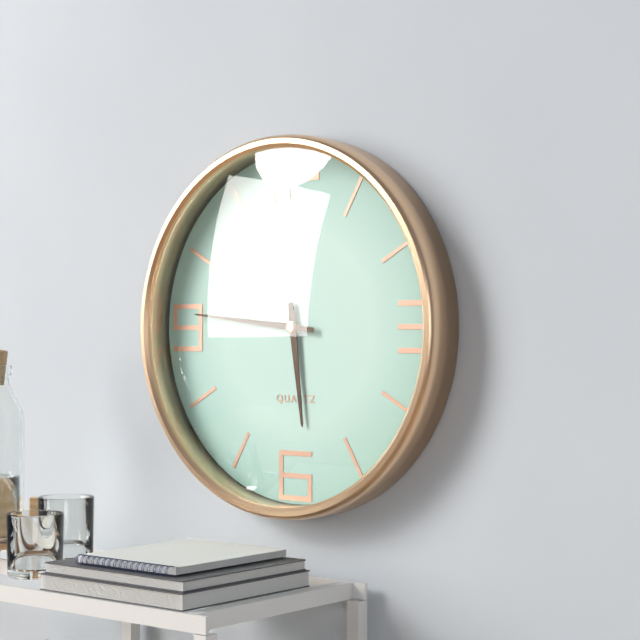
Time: h=5 m=46
